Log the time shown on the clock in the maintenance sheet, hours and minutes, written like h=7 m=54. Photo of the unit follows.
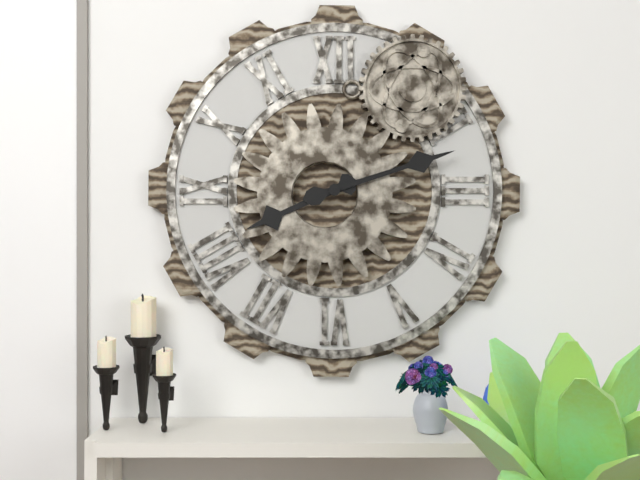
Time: h=8 m=12
